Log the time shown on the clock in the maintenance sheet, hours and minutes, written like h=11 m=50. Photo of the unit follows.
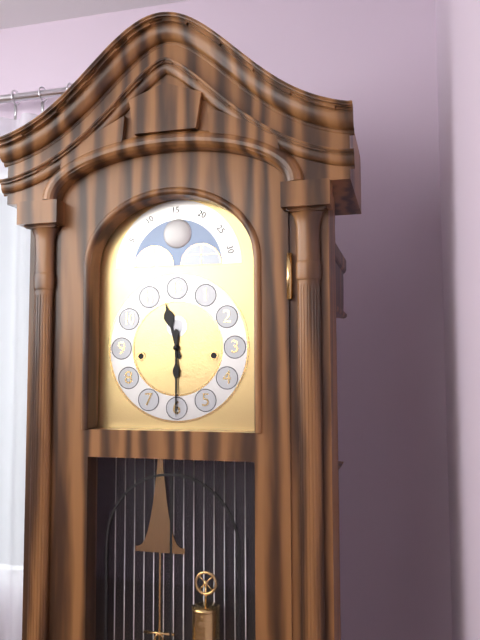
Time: h=11 m=30
